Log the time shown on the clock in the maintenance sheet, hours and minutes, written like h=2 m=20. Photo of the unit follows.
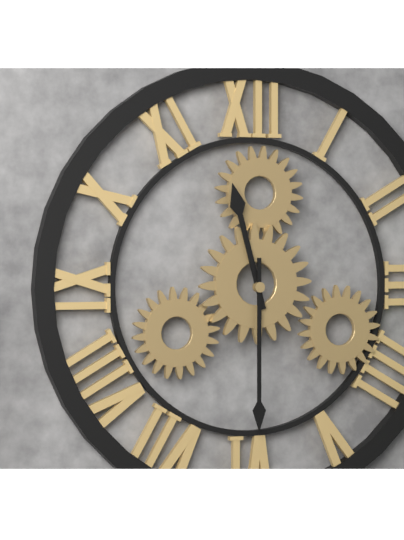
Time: h=11 m=30
